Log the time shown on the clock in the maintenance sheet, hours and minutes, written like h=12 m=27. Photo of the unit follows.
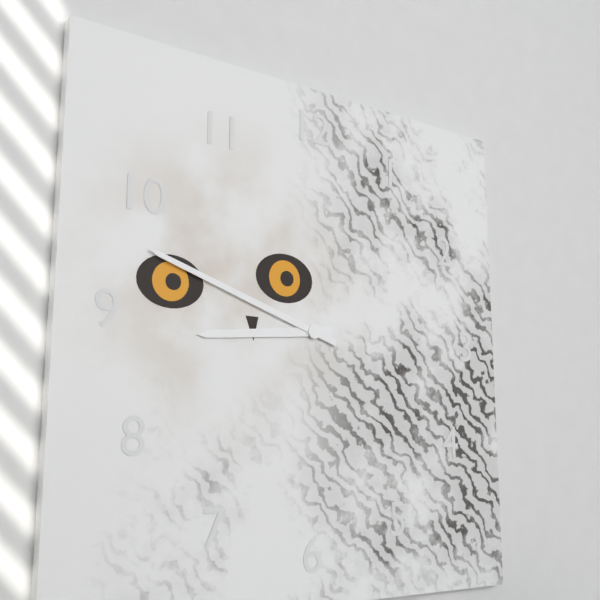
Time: h=8 m=48
